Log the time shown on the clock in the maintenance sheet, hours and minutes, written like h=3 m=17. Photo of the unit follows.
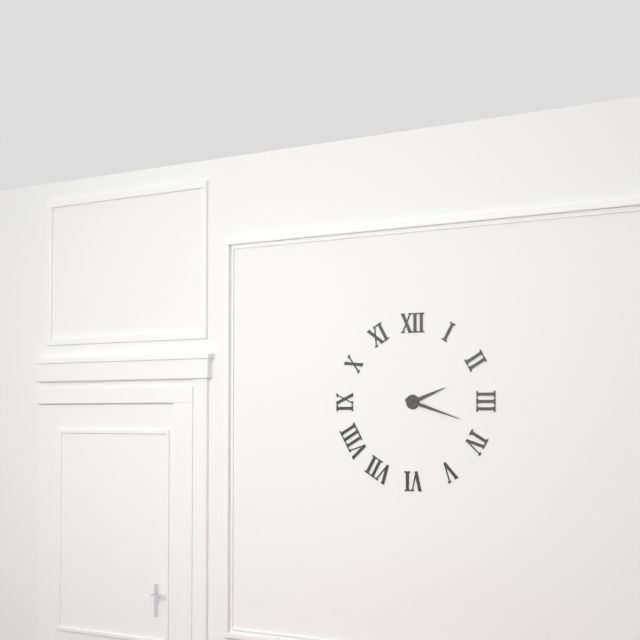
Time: h=2 m=18
